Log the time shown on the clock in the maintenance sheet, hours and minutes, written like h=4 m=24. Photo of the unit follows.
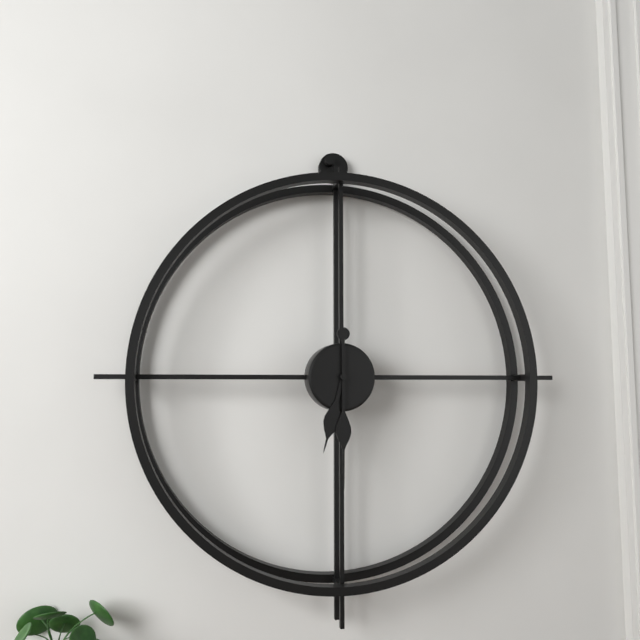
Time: h=6 m=30
